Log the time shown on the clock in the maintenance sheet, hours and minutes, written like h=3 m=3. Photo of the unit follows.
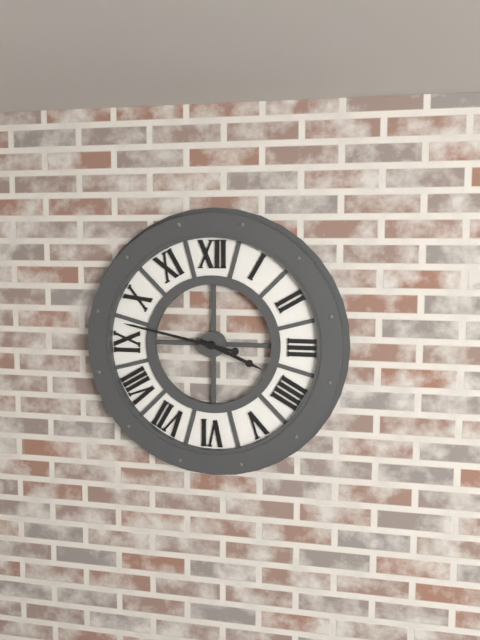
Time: h=3 m=47
